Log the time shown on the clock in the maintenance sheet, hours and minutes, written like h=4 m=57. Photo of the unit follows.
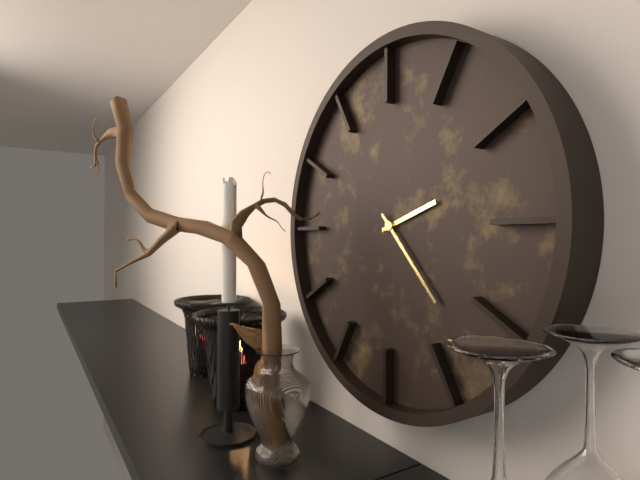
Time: h=2 m=23
